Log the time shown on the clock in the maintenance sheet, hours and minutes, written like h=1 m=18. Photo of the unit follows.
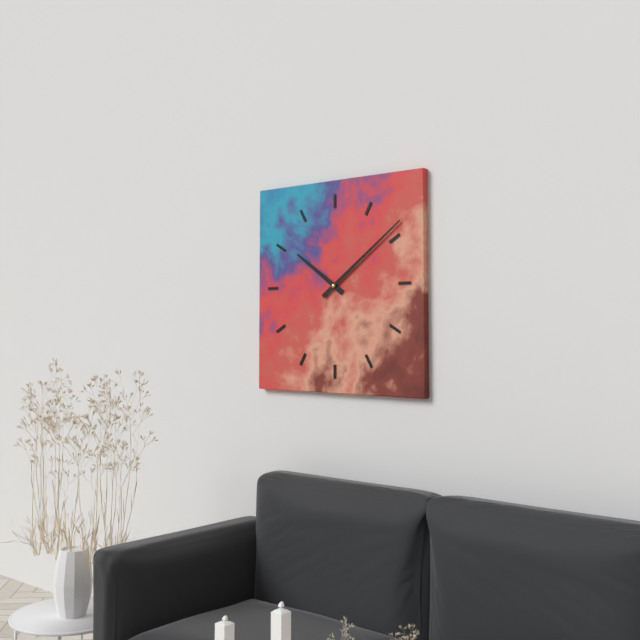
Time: h=10 m=9
